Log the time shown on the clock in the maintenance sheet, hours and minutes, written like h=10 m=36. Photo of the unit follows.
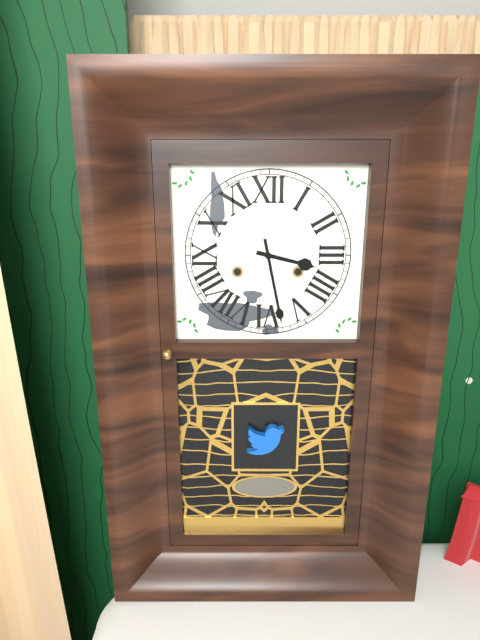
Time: h=3 m=28
